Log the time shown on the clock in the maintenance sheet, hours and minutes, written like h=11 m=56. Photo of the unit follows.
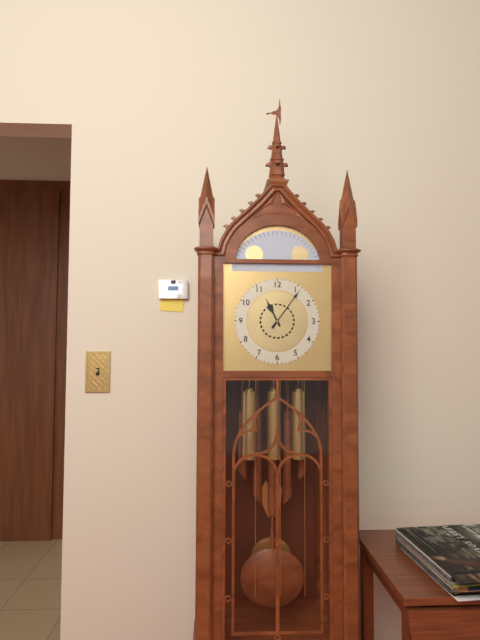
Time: h=11 m=6
